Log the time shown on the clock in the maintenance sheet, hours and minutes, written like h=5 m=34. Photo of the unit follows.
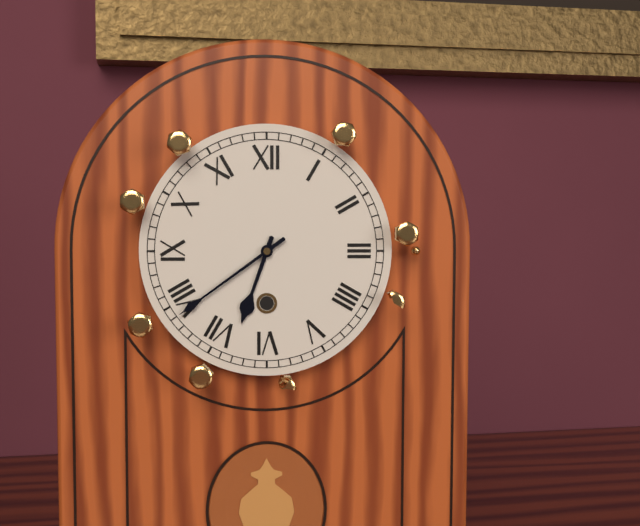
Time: h=6 m=39
